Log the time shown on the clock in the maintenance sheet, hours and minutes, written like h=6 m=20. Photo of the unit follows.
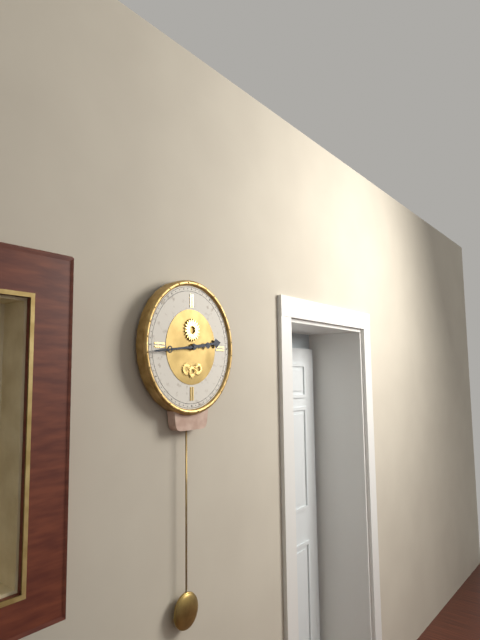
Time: h=2 m=44
